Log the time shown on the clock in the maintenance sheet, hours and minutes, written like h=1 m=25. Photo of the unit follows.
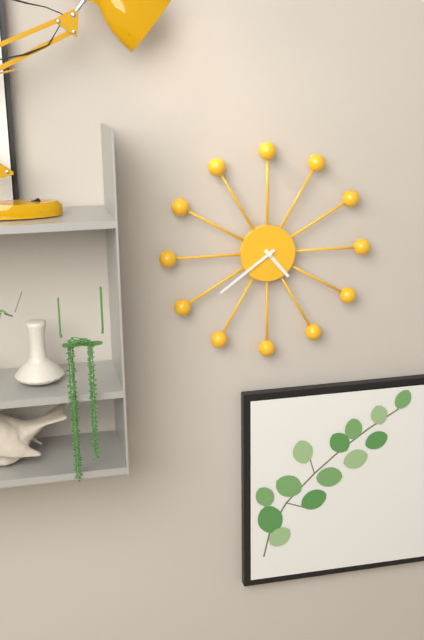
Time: h=4 m=39
